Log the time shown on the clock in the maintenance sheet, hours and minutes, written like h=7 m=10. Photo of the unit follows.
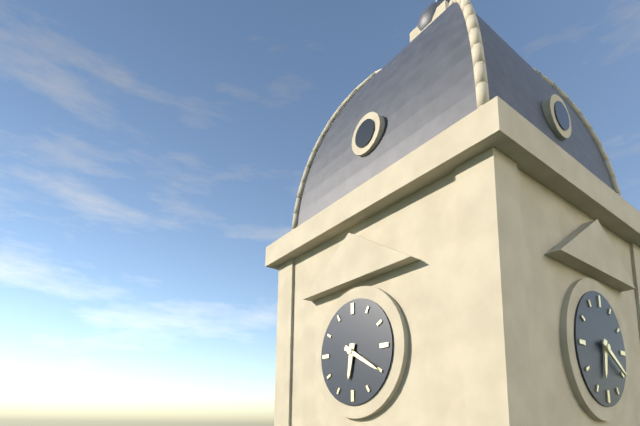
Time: h=6 m=20
